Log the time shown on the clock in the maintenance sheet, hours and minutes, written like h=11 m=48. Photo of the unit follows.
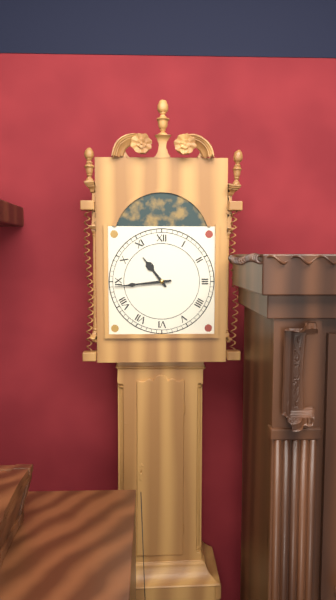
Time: h=10 m=44
